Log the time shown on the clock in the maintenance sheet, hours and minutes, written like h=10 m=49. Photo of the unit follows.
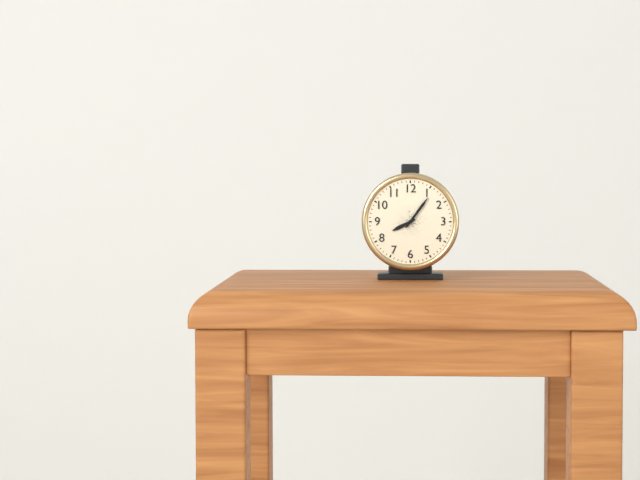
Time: h=8 m=6
